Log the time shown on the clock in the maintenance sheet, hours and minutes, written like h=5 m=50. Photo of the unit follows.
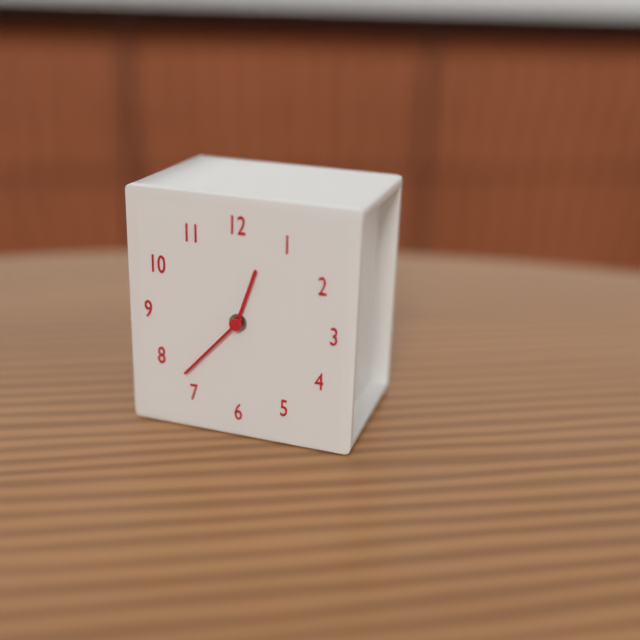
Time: h=12 m=37
